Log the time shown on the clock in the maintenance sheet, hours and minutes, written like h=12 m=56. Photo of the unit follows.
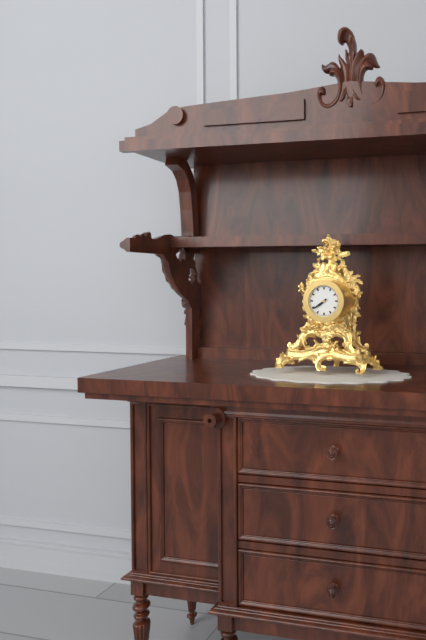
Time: h=7 m=39
